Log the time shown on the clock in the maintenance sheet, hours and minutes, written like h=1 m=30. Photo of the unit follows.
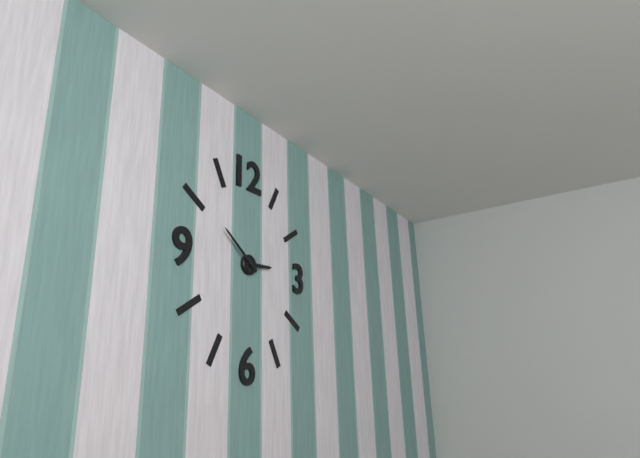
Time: h=2 m=51
